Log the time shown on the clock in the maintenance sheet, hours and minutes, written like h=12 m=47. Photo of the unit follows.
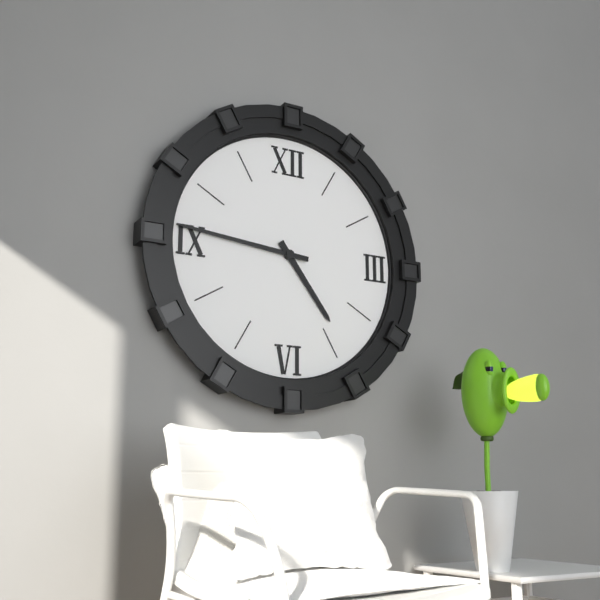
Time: h=4 m=46
